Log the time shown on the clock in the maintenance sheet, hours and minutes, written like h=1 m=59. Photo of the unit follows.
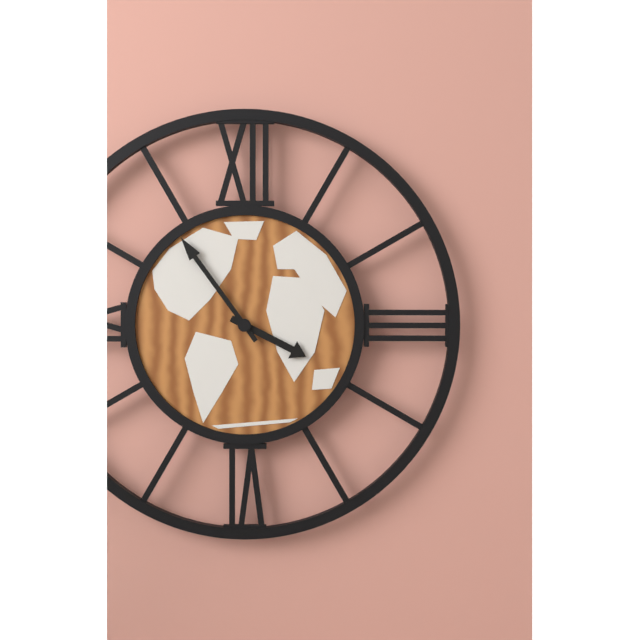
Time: h=3 m=54
